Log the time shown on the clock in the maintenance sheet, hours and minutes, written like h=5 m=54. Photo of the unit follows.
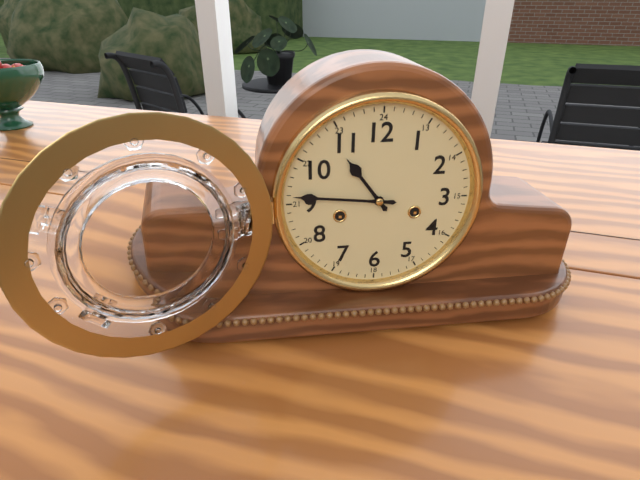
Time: h=10 m=46
